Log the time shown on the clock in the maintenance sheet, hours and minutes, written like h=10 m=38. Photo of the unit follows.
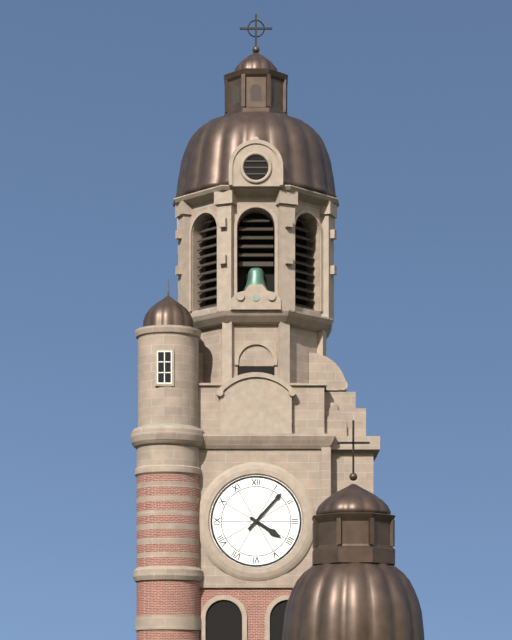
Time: h=4 m=7
